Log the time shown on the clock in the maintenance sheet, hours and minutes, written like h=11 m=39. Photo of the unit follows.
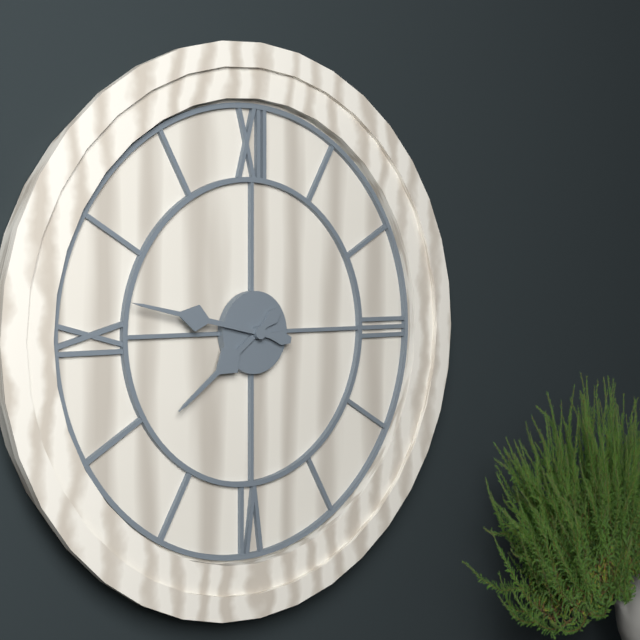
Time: h=7 m=47
